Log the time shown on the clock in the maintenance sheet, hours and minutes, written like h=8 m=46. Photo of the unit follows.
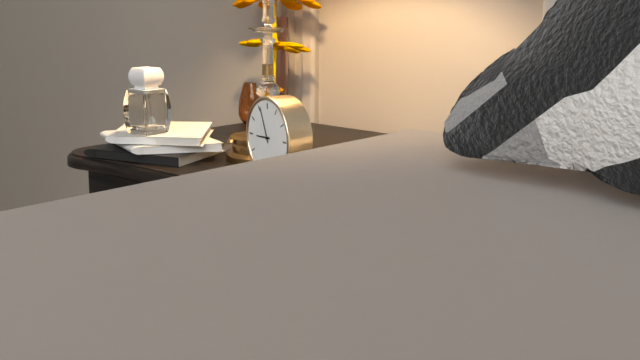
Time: h=8 m=56
